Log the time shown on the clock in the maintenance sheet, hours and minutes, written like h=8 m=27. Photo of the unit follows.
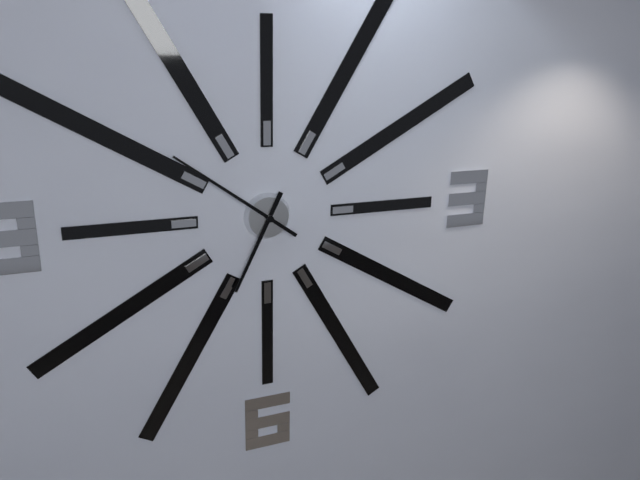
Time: h=6 m=51
